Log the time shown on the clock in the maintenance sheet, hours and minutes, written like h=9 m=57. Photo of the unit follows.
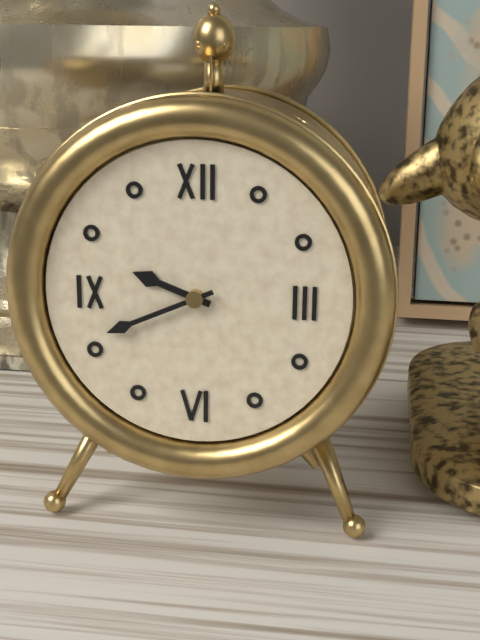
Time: h=9 m=41
